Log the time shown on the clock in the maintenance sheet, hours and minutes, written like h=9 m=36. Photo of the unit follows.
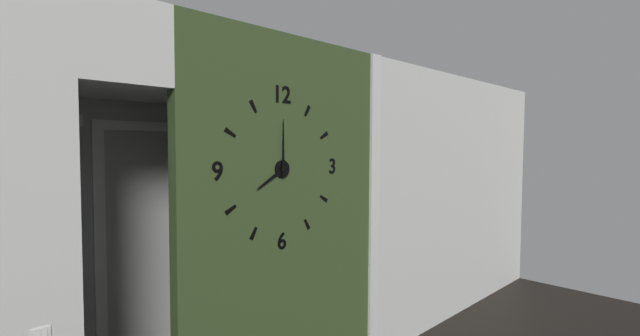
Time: h=8 m=0
